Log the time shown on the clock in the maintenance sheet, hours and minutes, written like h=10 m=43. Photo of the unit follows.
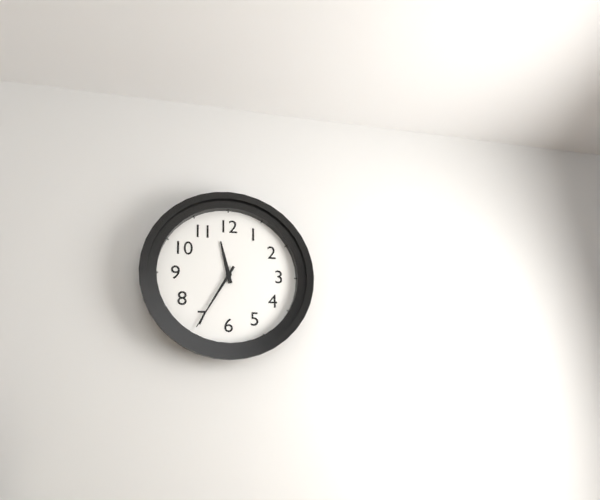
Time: h=11 m=35
